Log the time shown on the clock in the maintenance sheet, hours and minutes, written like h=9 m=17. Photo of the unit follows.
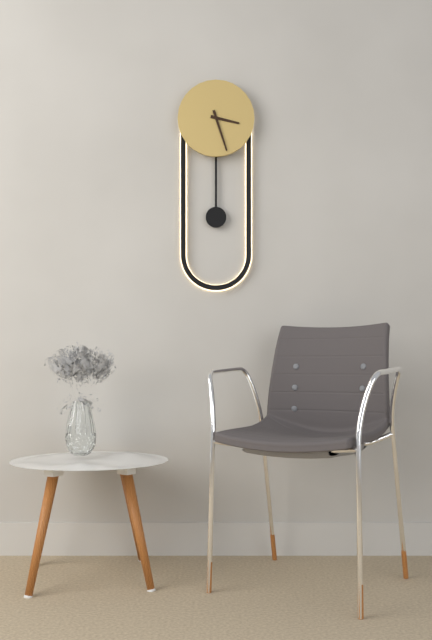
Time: h=3 m=27
